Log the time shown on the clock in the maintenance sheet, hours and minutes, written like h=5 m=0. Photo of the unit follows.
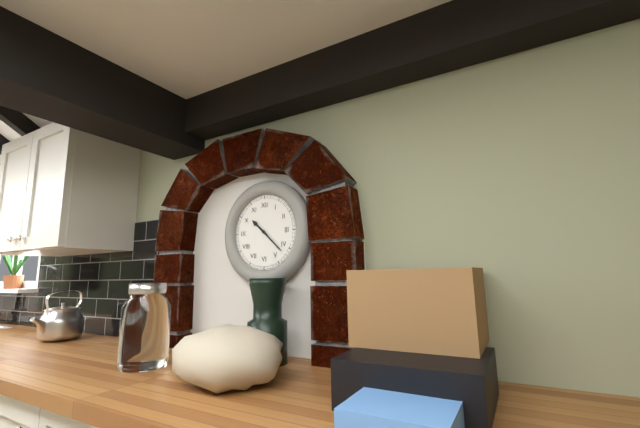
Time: h=10 m=22
